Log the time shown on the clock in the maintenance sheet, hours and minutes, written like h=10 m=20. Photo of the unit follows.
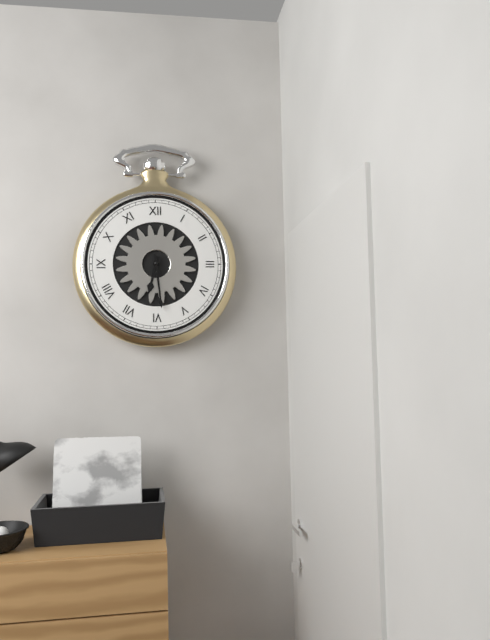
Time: h=6 m=29
